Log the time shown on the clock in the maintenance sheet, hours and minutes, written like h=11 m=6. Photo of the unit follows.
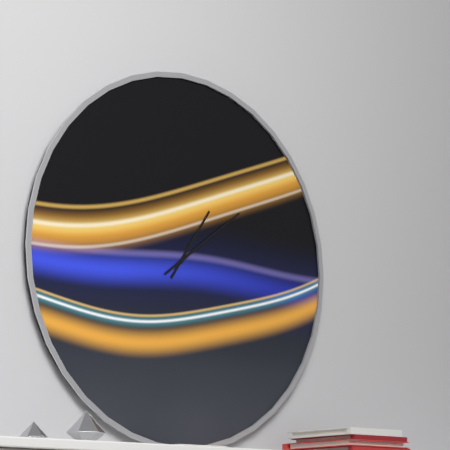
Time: h=1 m=9
